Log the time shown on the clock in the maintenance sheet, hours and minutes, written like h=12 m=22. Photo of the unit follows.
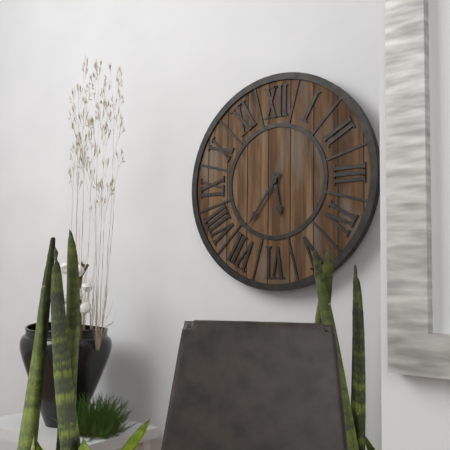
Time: h=5 m=36
